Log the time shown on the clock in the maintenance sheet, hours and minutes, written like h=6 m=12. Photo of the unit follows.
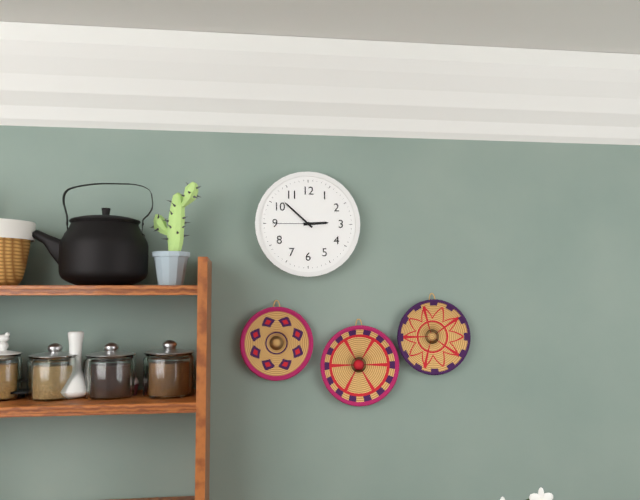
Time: h=2 m=52
